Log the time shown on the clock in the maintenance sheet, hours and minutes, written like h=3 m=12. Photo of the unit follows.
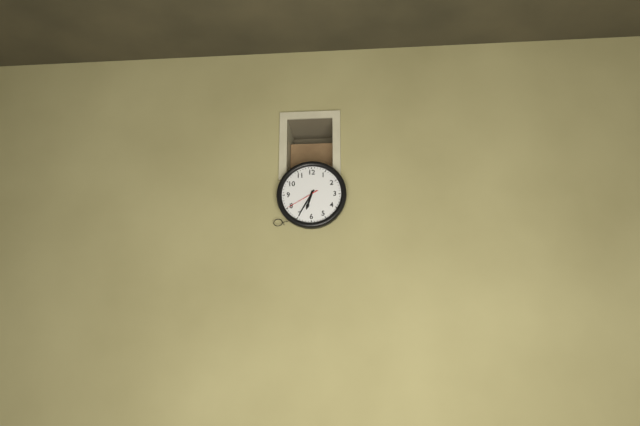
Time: h=6 m=35
